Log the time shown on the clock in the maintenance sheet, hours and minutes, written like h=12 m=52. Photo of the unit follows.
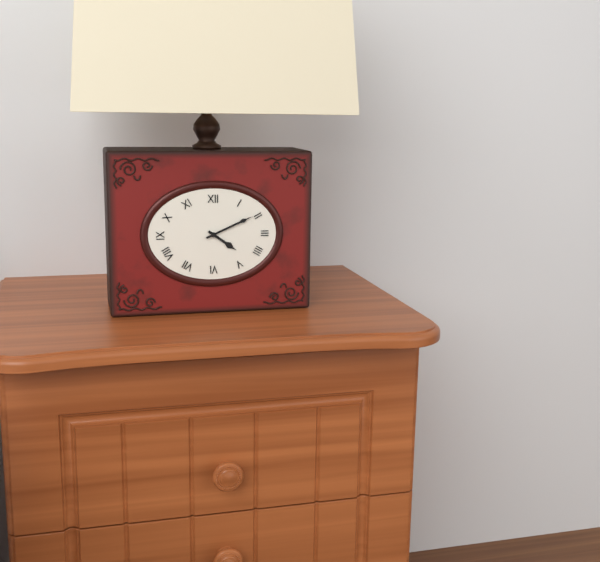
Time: h=4 m=11
